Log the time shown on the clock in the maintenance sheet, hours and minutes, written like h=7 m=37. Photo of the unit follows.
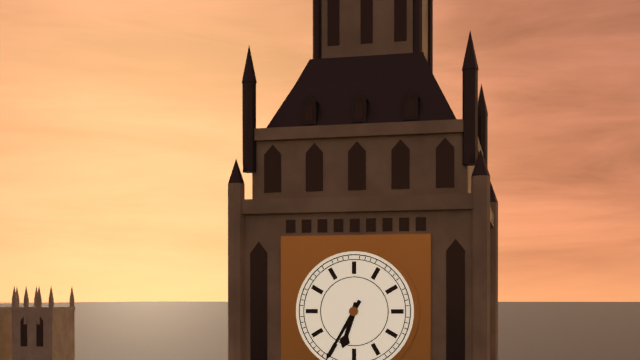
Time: h=6 m=35
